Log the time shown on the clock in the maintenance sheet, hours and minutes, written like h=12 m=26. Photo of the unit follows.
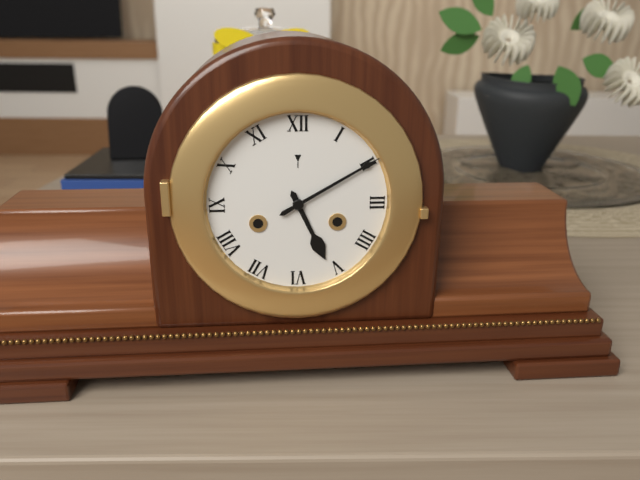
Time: h=5 m=10
